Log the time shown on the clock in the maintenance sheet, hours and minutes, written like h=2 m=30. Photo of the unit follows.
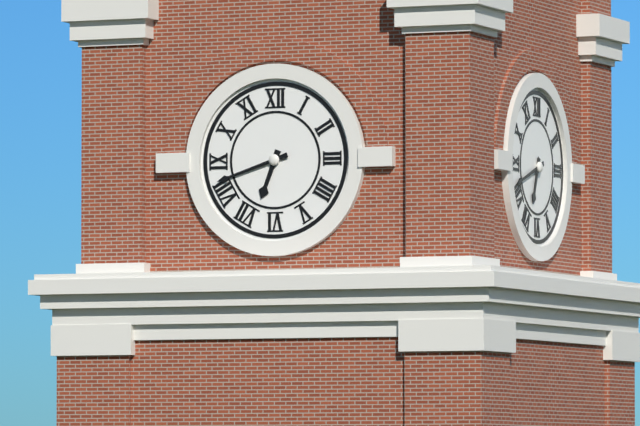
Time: h=6 m=42
